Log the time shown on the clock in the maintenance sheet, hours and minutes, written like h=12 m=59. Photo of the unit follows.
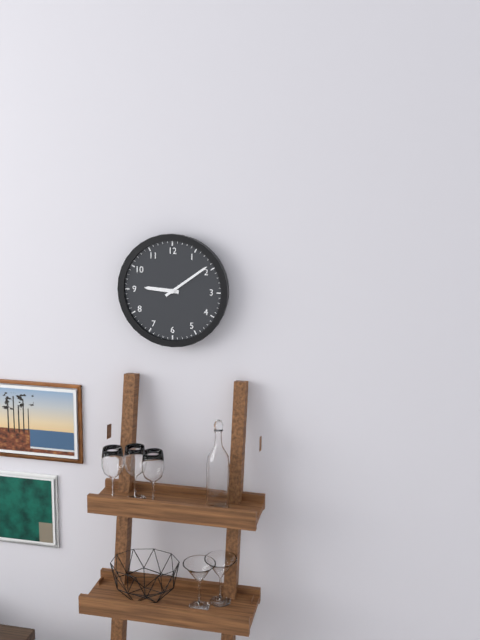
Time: h=9 m=9
